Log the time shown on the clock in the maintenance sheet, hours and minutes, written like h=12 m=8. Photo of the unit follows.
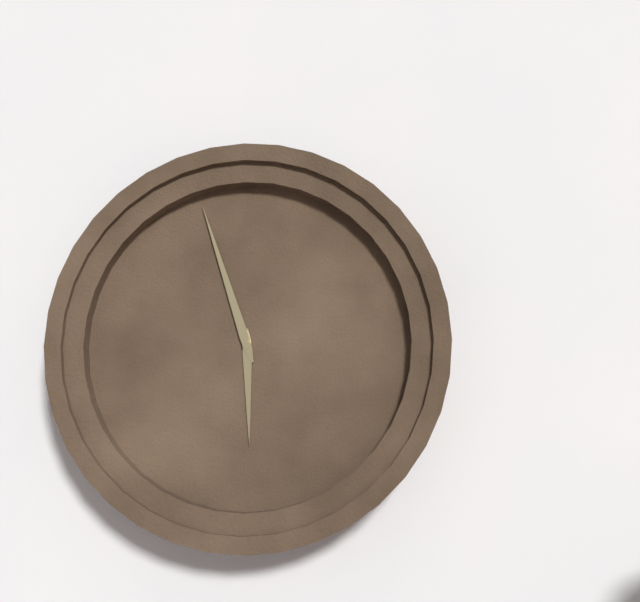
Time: h=5 m=57
